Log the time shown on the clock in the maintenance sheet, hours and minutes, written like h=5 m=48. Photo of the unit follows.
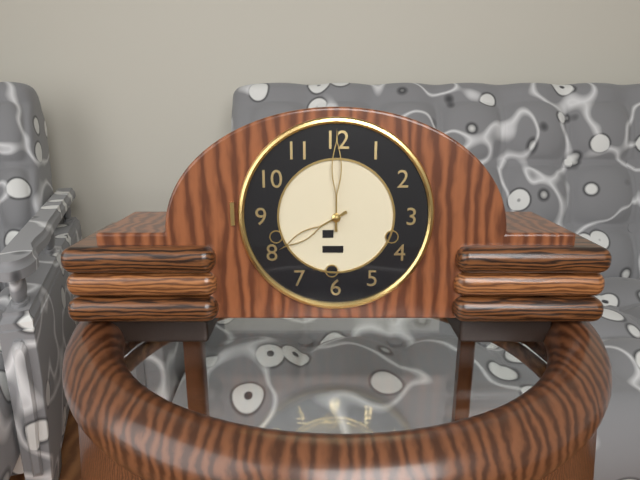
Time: h=8 m=0
